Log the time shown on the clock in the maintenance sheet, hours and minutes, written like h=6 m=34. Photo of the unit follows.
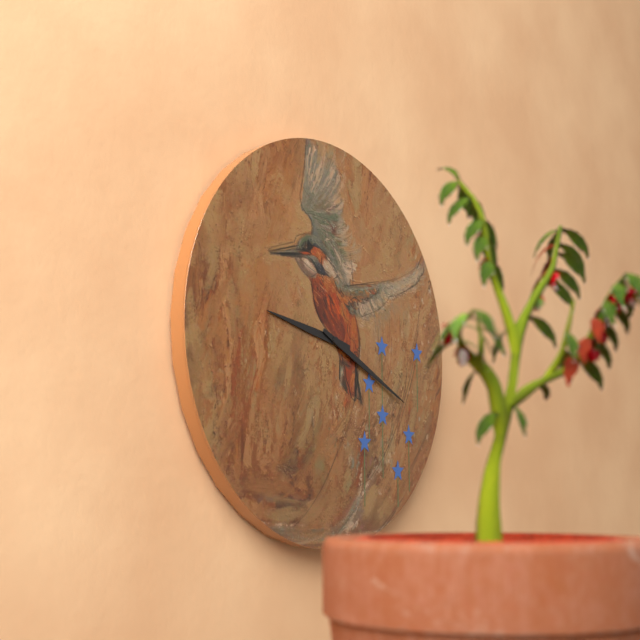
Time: h=9 m=19
